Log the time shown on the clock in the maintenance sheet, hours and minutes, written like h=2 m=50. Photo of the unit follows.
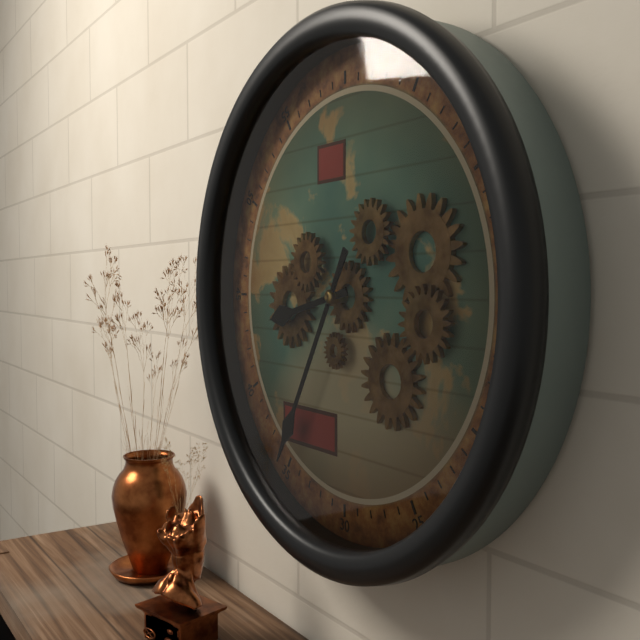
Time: h=8 m=35
